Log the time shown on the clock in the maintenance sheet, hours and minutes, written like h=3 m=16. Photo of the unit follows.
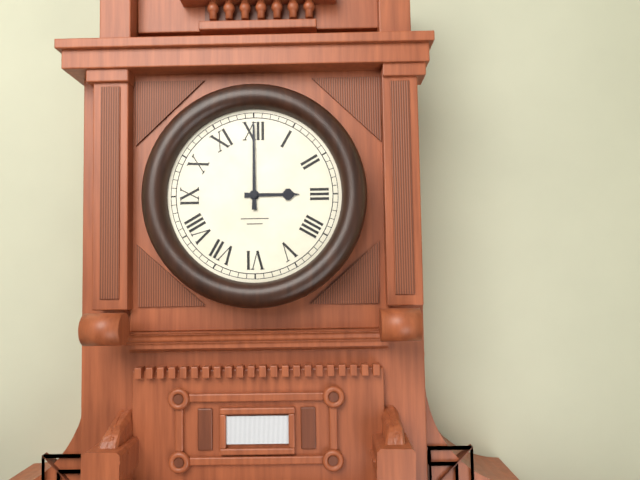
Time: h=3 m=0
